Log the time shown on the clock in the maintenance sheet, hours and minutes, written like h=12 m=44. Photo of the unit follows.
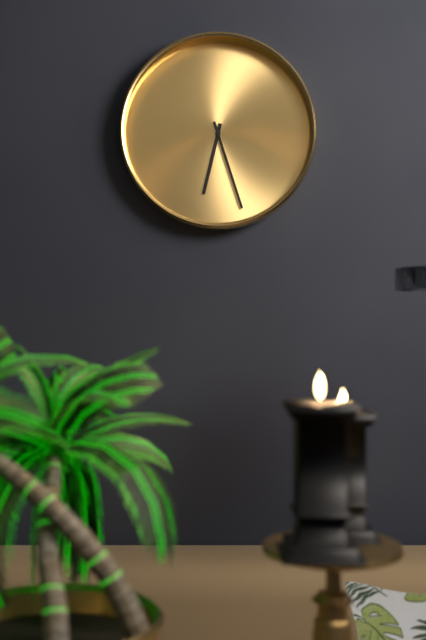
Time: h=6 m=27
